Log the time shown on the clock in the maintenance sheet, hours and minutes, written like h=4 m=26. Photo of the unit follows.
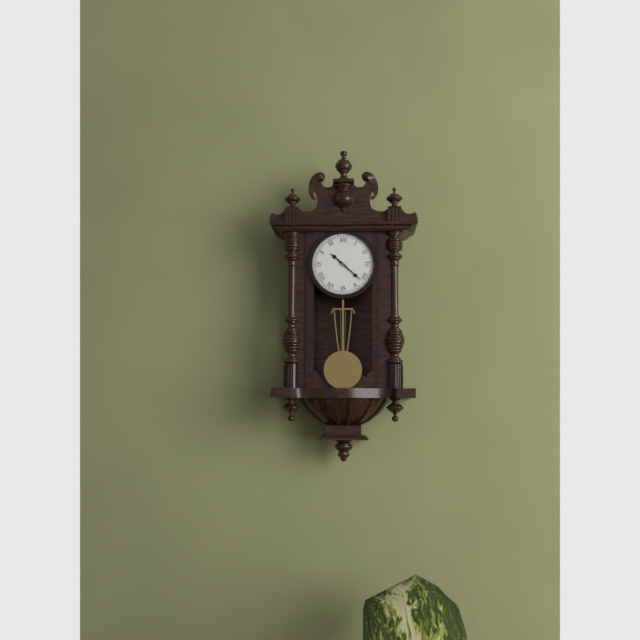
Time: h=10 m=22
